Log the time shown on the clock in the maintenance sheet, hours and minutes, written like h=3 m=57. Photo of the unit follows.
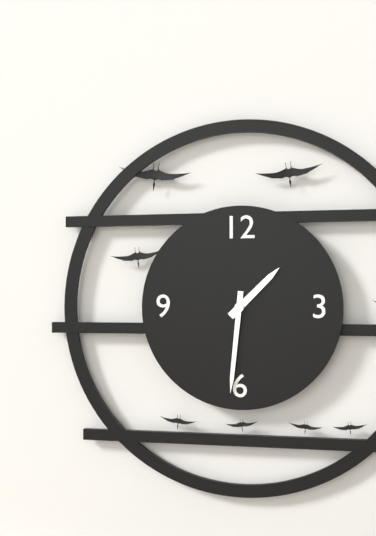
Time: h=1 m=31
